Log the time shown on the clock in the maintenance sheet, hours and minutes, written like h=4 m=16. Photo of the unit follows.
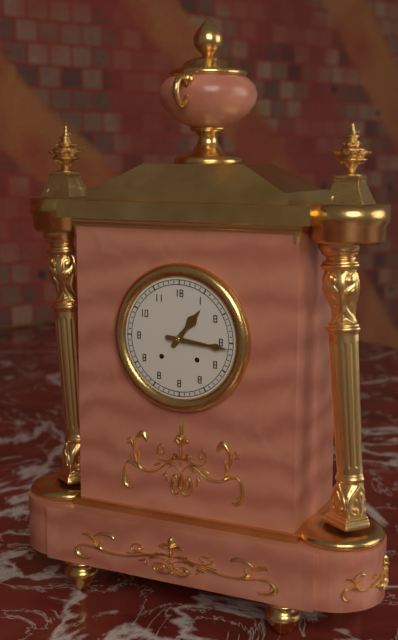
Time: h=1 m=16
